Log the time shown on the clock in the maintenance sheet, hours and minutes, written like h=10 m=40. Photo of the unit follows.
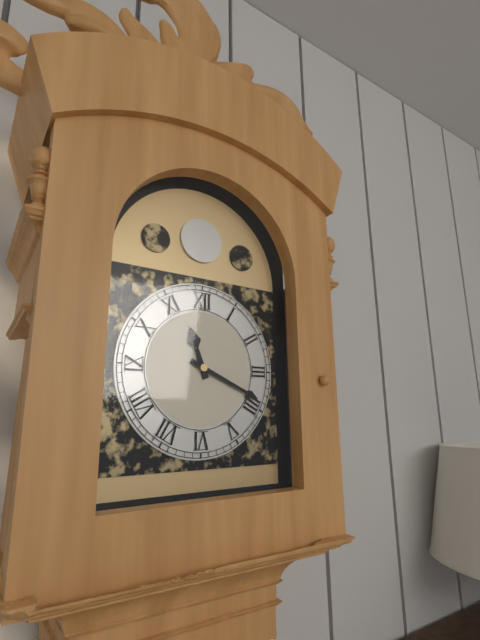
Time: h=11 m=19
